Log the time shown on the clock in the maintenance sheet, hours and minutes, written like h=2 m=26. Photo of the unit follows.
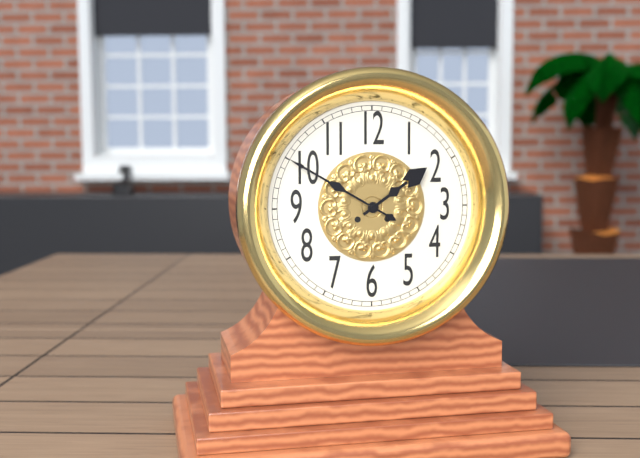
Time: h=1 m=50
